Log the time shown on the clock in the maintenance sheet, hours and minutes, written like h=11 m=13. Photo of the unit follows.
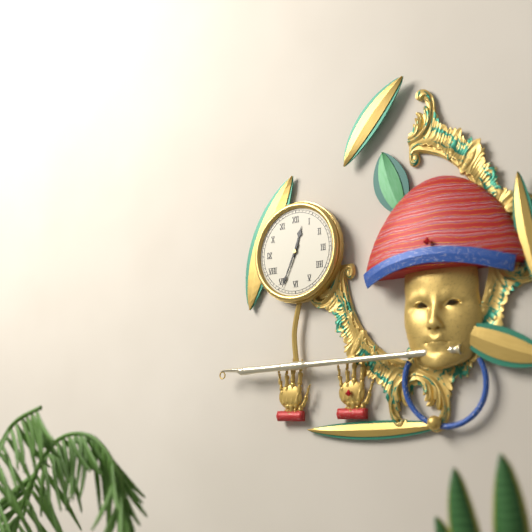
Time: h=12 m=34
